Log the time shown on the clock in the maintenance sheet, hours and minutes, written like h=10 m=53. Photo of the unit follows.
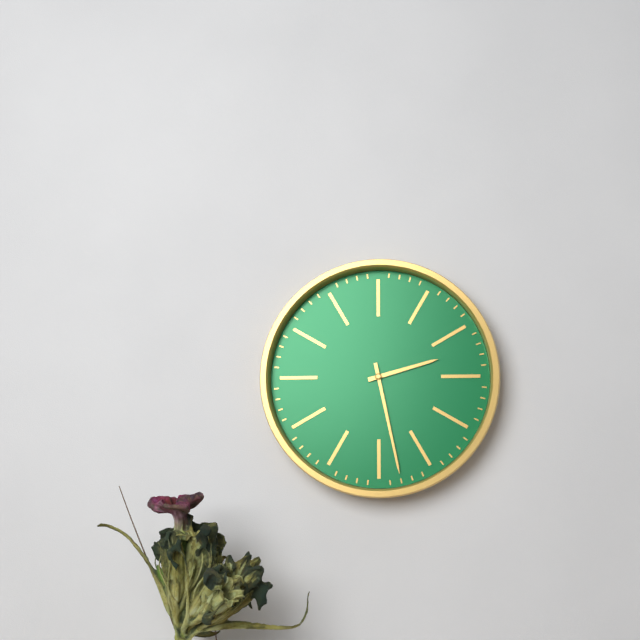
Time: h=2 m=28
